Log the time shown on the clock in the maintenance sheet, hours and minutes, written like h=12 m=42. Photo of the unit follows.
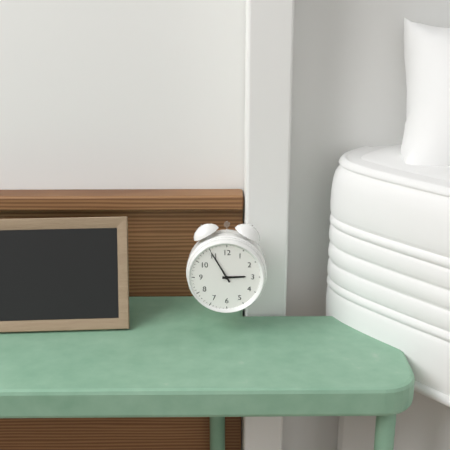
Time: h=2 m=55
